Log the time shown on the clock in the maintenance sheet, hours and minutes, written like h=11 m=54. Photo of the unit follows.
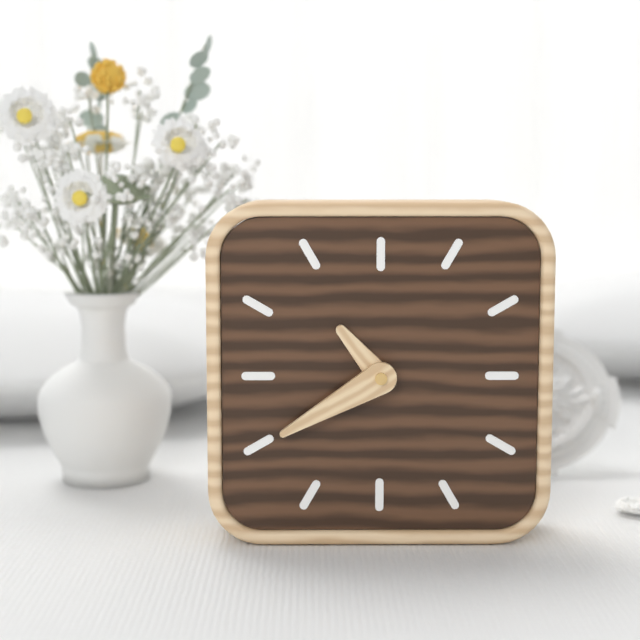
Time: h=10 m=40
